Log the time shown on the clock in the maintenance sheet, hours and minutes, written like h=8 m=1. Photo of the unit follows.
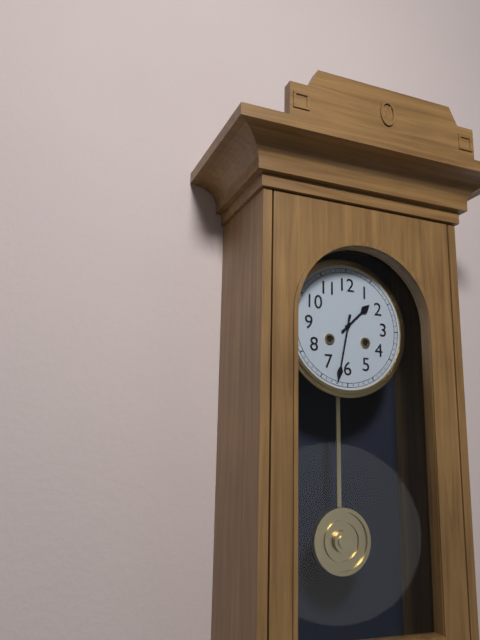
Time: h=1 m=32
